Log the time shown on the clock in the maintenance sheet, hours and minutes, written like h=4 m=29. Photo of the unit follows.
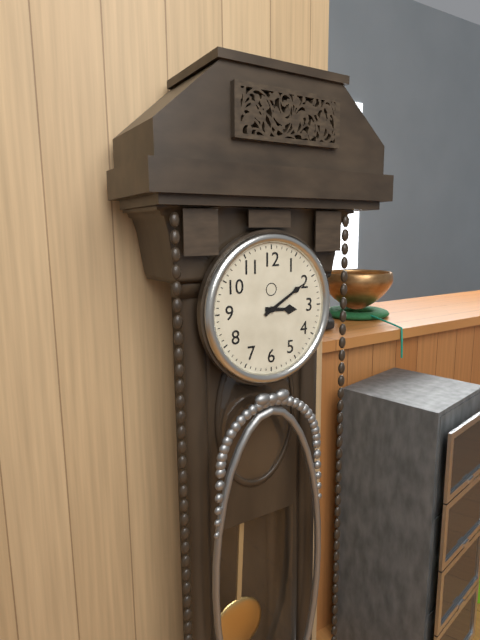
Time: h=3 m=10
